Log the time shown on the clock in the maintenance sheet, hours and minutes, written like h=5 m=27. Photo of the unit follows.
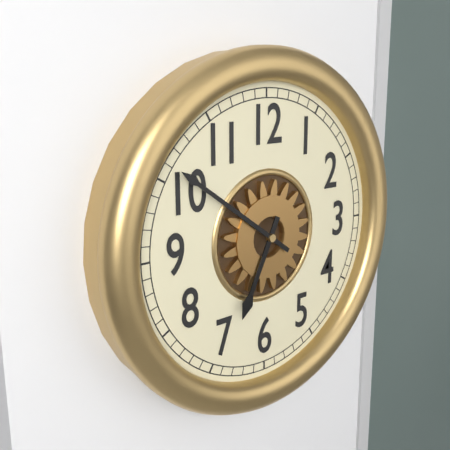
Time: h=6 m=51
